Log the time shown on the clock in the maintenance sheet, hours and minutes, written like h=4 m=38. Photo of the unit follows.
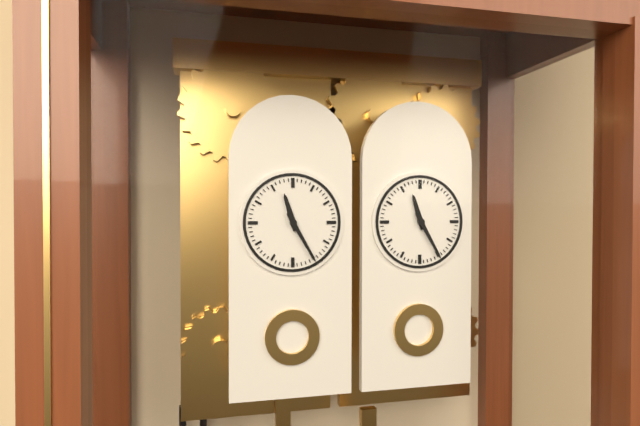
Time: h=11 m=25
